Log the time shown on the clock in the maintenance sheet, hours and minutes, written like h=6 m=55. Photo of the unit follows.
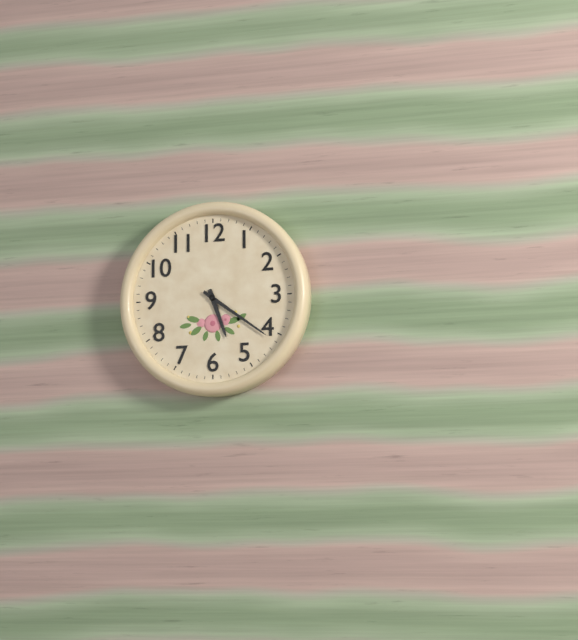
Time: h=5 m=21
